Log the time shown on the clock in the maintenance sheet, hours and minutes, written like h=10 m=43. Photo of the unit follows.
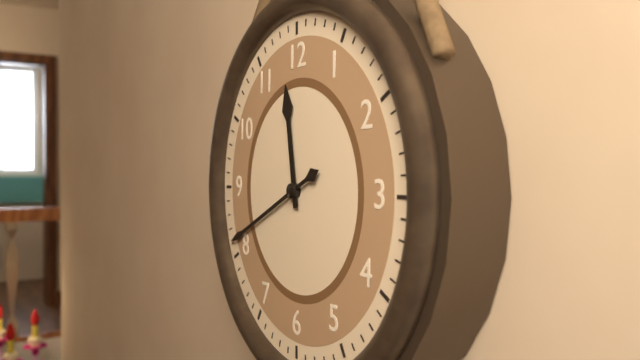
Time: h=11 m=41
